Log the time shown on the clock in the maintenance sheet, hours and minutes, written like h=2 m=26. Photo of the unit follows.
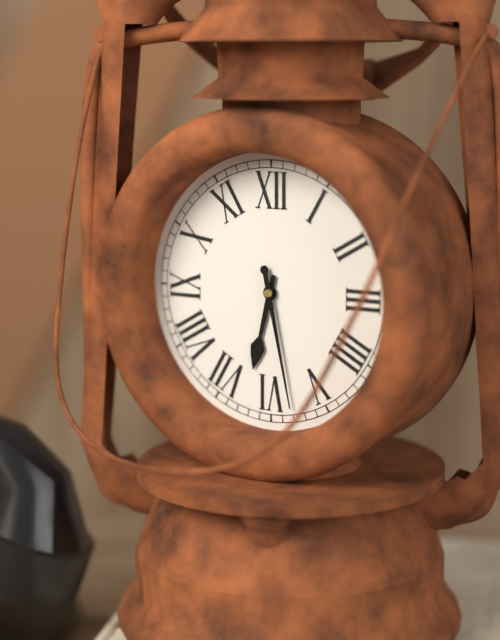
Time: h=6 m=28
